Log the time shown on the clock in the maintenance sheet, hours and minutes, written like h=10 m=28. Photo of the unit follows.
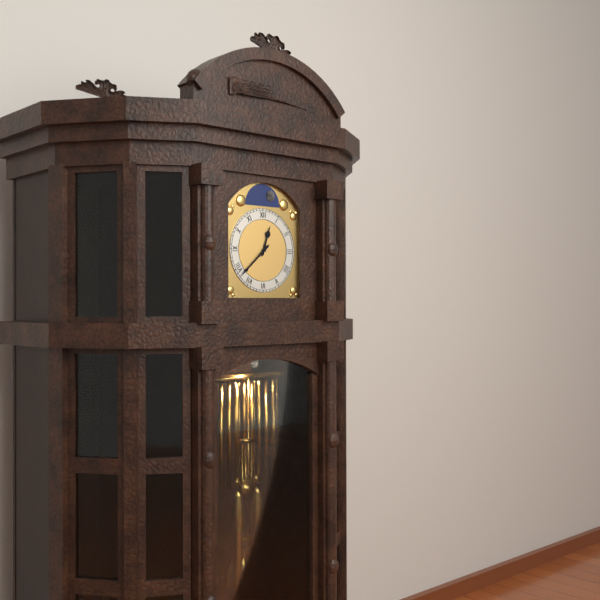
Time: h=12 m=38
